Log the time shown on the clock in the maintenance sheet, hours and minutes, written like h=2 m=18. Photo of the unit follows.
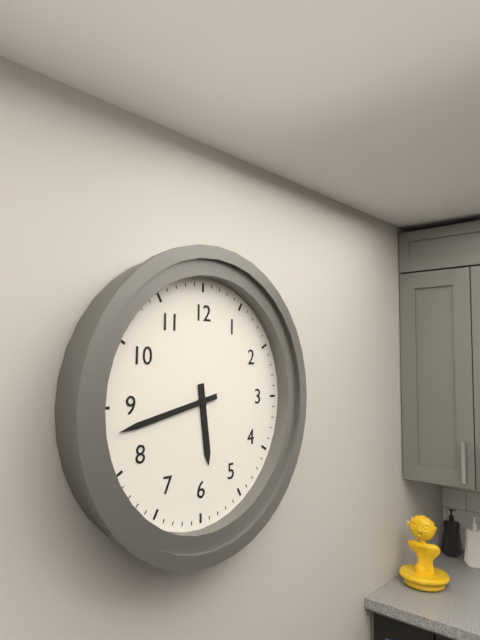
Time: h=5 m=43
